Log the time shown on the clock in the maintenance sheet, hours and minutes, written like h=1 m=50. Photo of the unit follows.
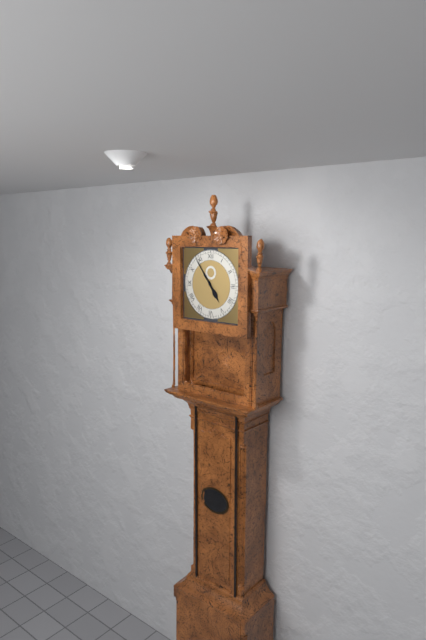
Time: h=4 m=54
